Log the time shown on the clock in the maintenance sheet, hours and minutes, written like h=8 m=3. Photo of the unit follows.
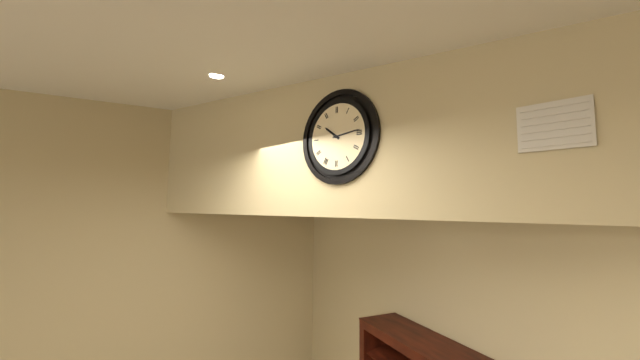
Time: h=10 m=14
